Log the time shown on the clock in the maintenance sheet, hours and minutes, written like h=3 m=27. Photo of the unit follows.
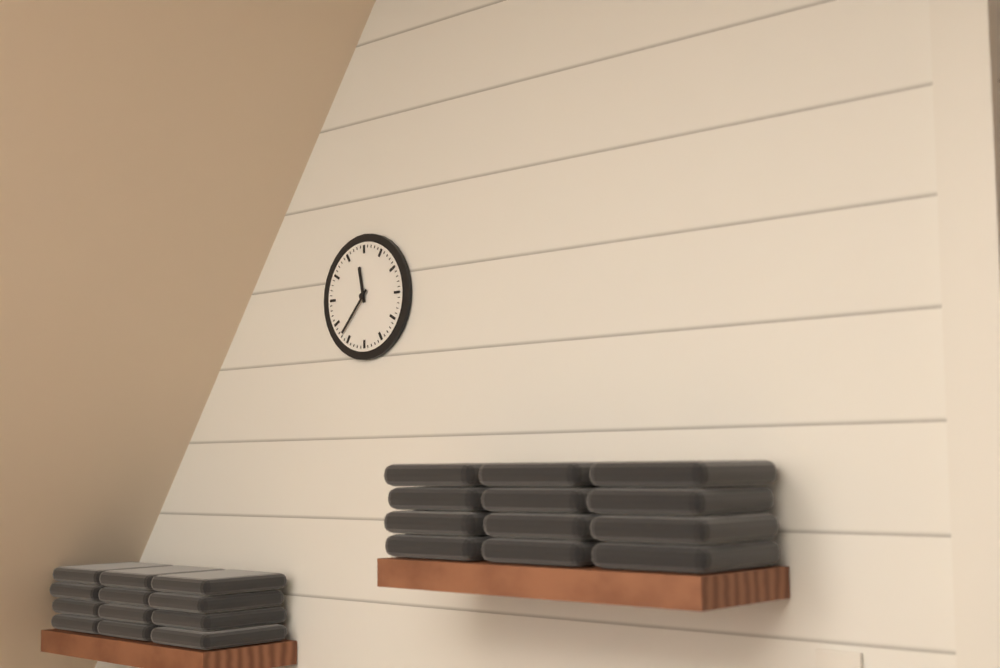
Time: h=11 m=37
